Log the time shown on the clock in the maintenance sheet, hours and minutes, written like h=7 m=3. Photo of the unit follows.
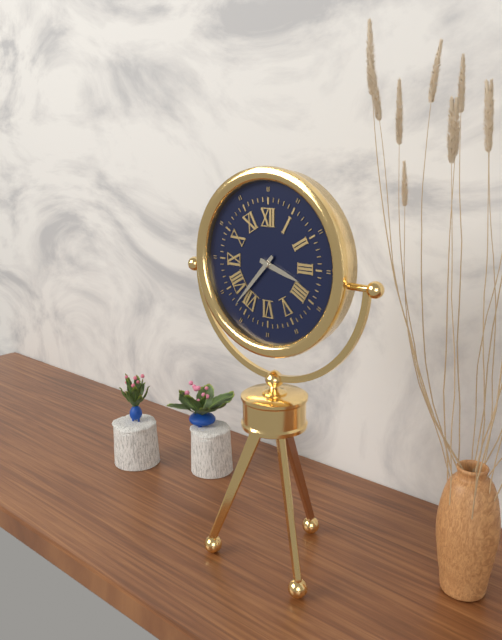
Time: h=3 m=37
